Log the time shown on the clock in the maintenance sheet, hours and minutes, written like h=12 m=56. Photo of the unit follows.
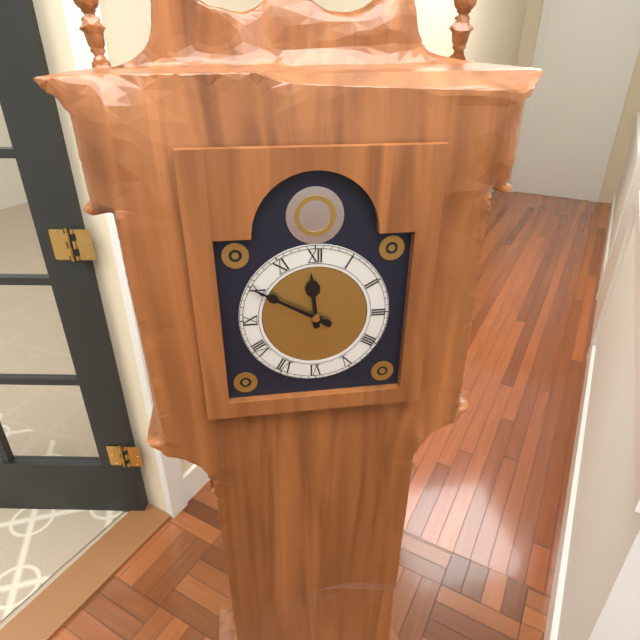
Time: h=11 m=50
